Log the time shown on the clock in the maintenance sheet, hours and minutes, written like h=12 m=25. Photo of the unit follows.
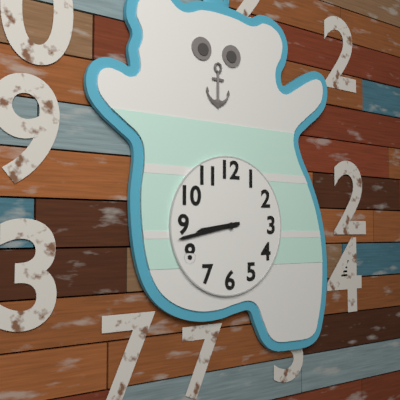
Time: h=8 m=43
